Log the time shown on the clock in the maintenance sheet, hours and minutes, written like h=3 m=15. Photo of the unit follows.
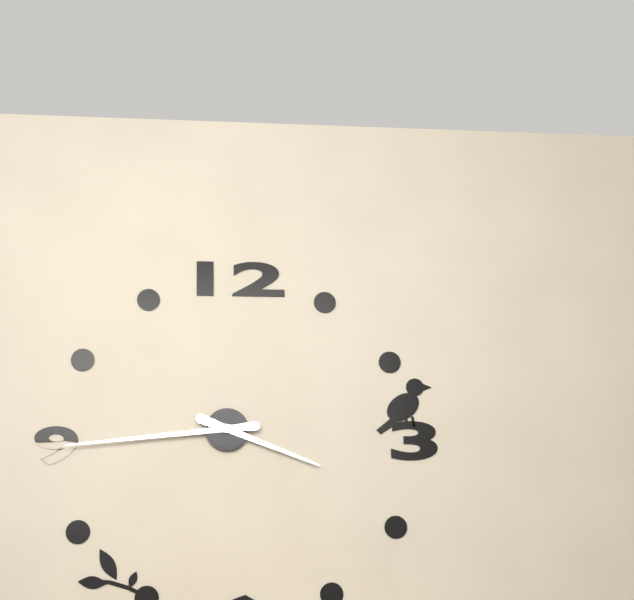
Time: h=3 m=44
